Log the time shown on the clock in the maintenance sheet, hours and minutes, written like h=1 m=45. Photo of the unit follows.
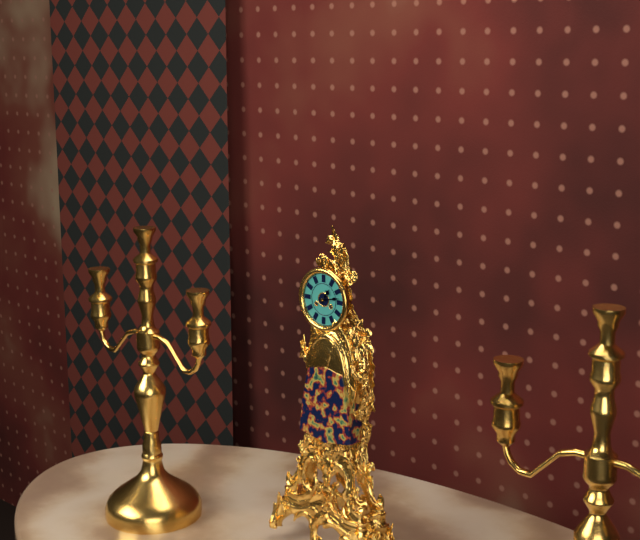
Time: h=1 m=13
